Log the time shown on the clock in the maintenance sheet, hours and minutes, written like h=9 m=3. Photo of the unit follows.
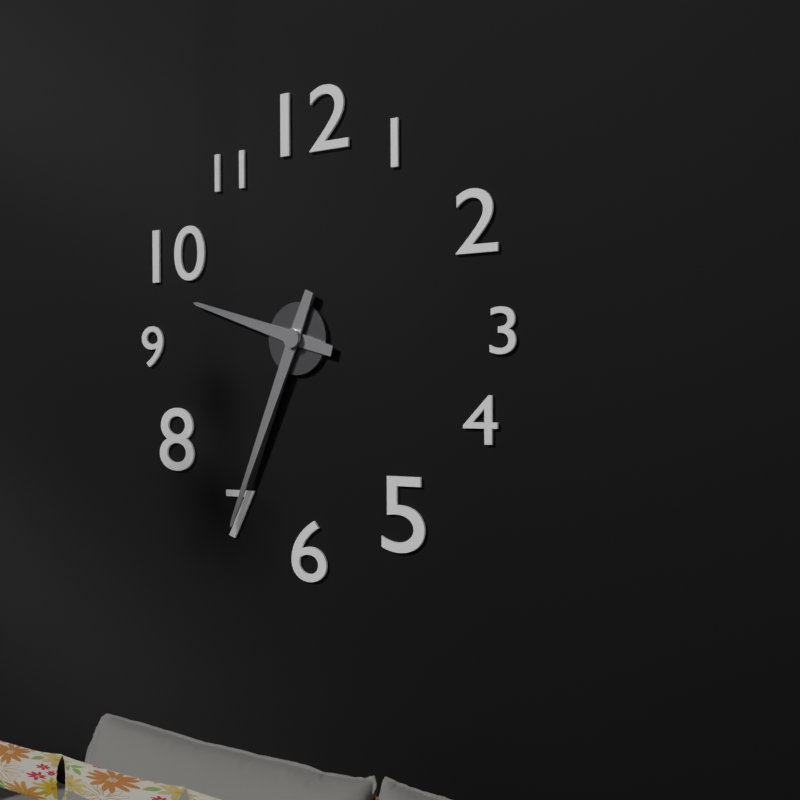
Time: h=9 m=34
